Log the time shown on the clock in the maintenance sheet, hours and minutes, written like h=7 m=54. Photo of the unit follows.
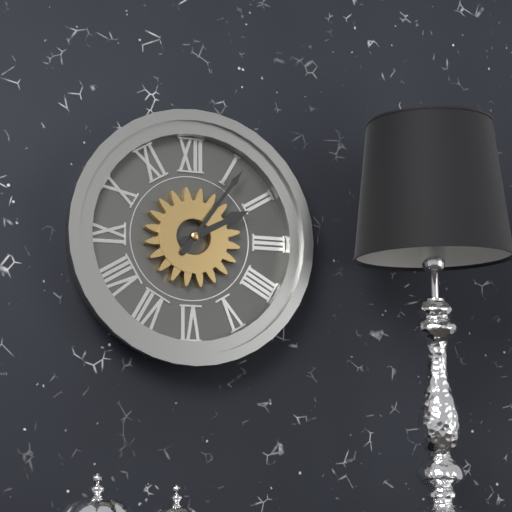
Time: h=2 m=6
